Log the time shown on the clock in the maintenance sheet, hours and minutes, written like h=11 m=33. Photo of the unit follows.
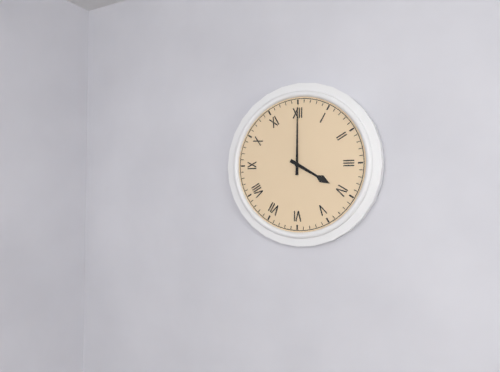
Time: h=4 m=0
